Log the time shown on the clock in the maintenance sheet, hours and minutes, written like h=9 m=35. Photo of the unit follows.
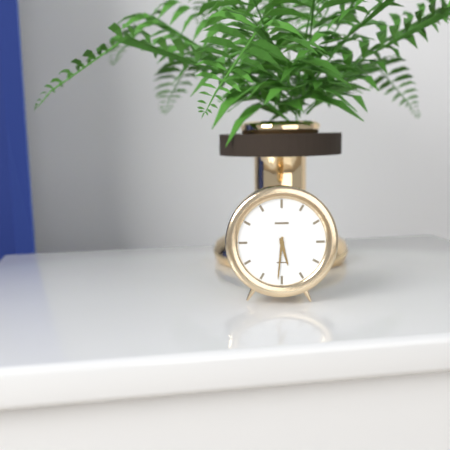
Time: h=5 m=31
